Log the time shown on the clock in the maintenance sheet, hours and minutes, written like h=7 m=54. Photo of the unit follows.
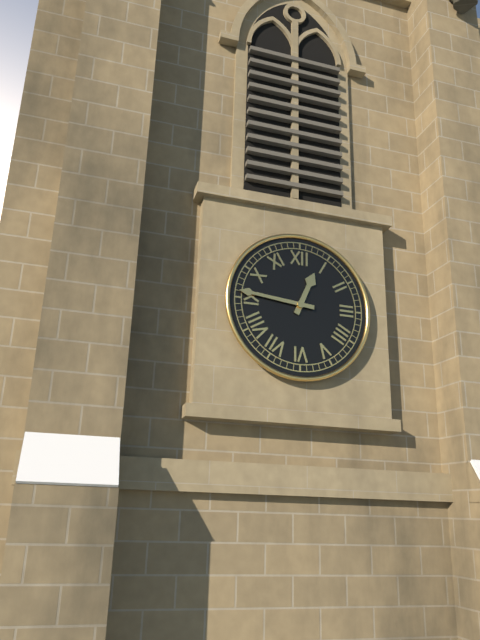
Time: h=12 m=46
